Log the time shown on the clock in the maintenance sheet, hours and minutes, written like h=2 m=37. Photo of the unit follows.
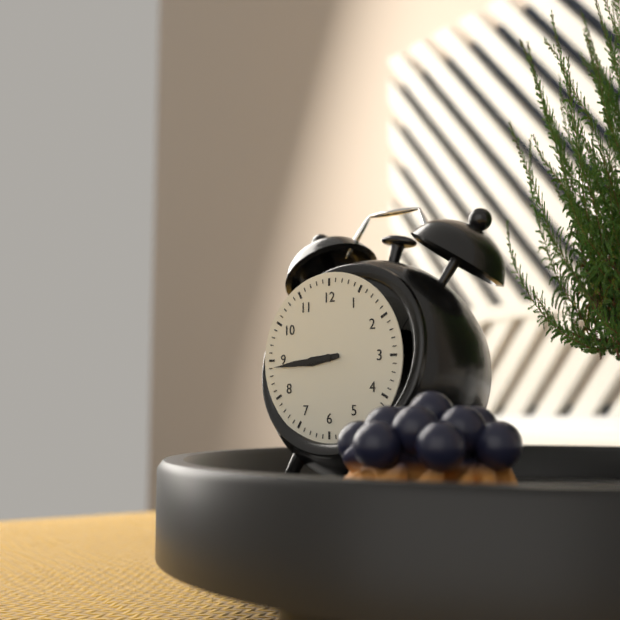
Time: h=8 m=44
